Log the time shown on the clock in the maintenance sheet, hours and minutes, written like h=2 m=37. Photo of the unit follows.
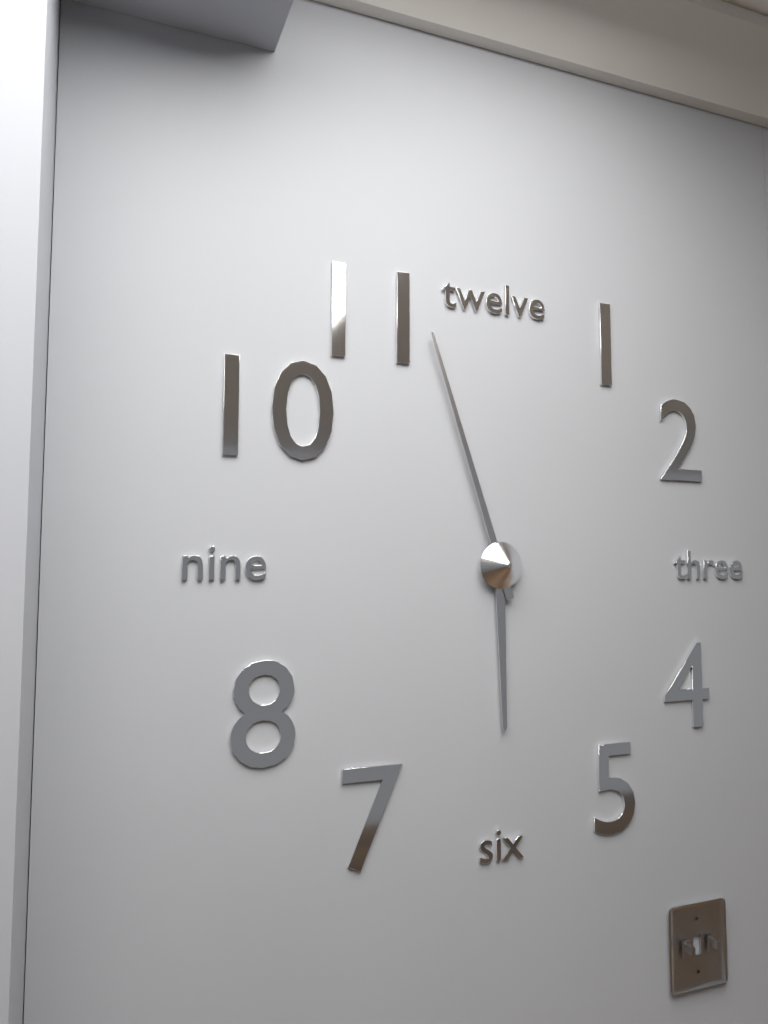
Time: h=5 m=57
